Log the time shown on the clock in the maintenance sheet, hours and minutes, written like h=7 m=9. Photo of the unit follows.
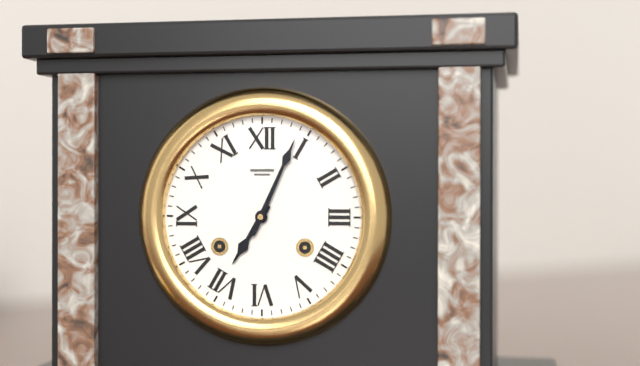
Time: h=7 m=4
